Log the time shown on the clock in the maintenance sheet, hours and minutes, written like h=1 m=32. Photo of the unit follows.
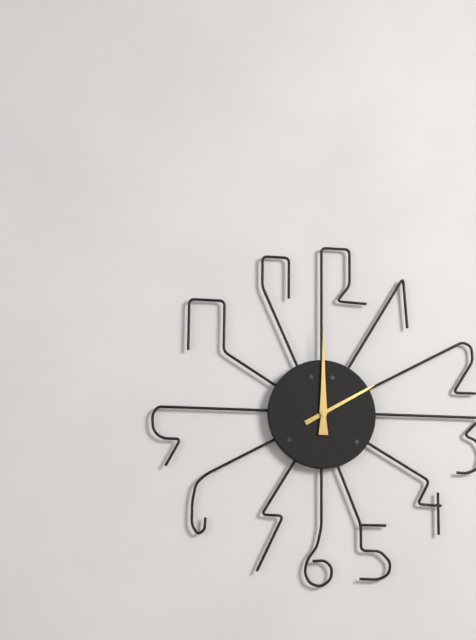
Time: h=2 m=0
